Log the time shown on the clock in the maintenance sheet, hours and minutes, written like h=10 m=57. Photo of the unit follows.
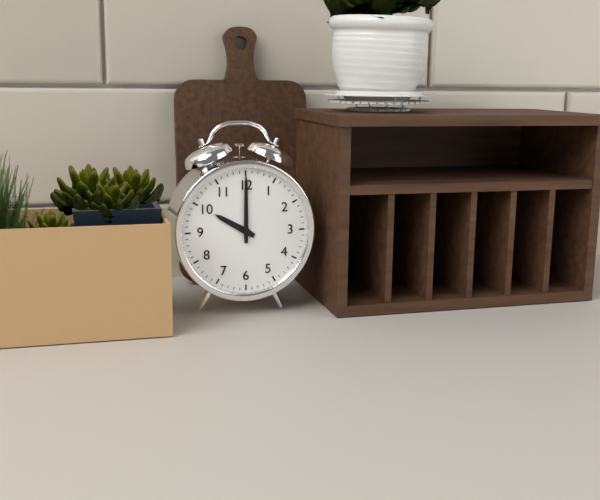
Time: h=10 m=0
